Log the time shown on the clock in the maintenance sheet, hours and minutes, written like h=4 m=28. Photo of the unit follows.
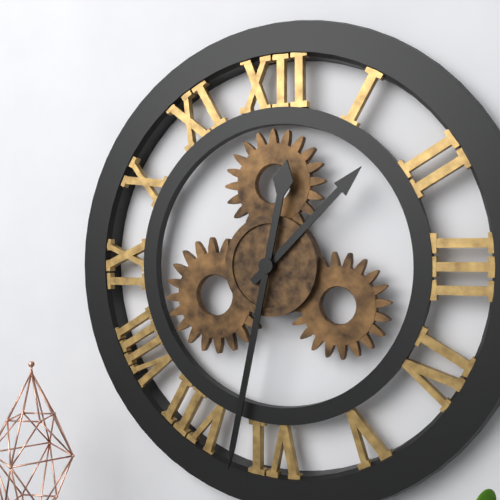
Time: h=1 m=32
